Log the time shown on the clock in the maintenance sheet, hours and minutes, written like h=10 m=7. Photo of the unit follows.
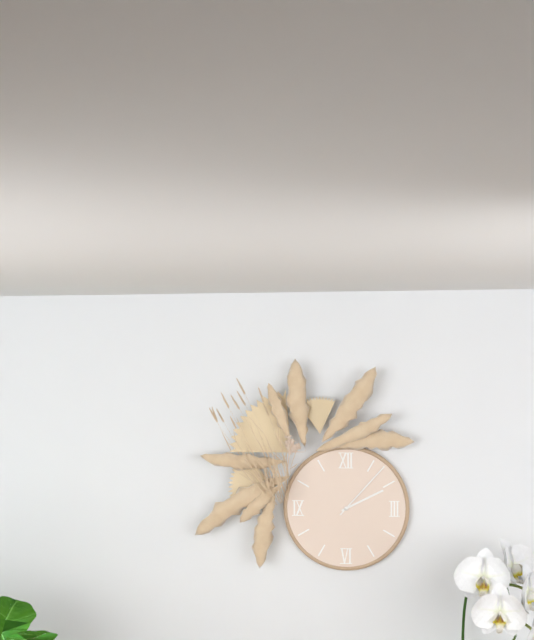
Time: h=2 m=7
